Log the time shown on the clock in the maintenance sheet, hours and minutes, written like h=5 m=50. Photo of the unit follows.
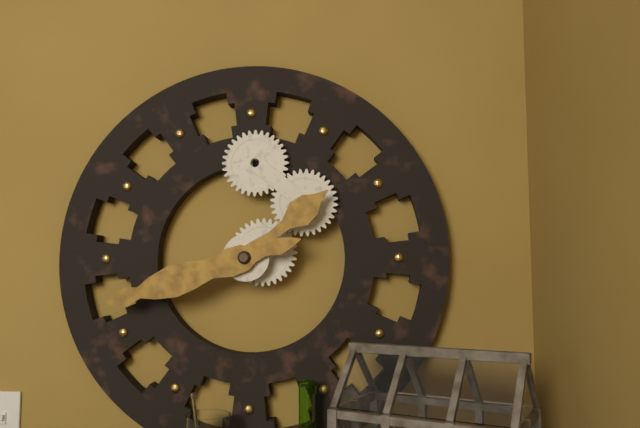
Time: h=1 m=42
